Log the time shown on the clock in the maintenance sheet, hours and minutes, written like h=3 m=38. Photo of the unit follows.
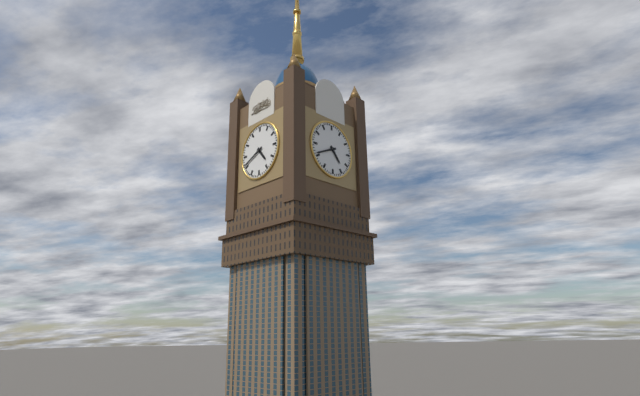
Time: h=4 m=41
